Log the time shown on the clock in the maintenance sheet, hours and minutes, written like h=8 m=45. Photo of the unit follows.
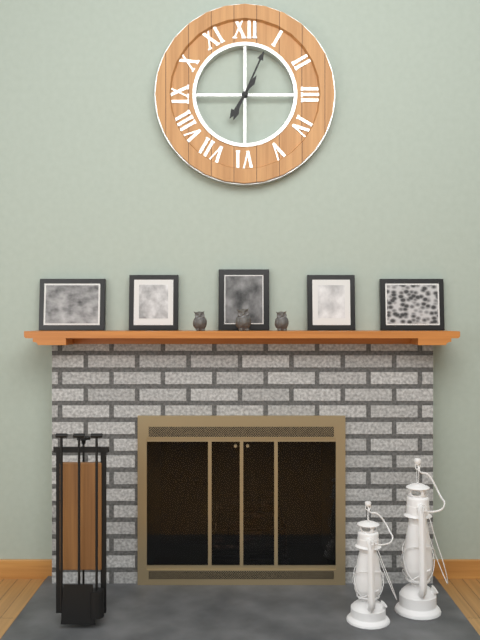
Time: h=7 m=4
